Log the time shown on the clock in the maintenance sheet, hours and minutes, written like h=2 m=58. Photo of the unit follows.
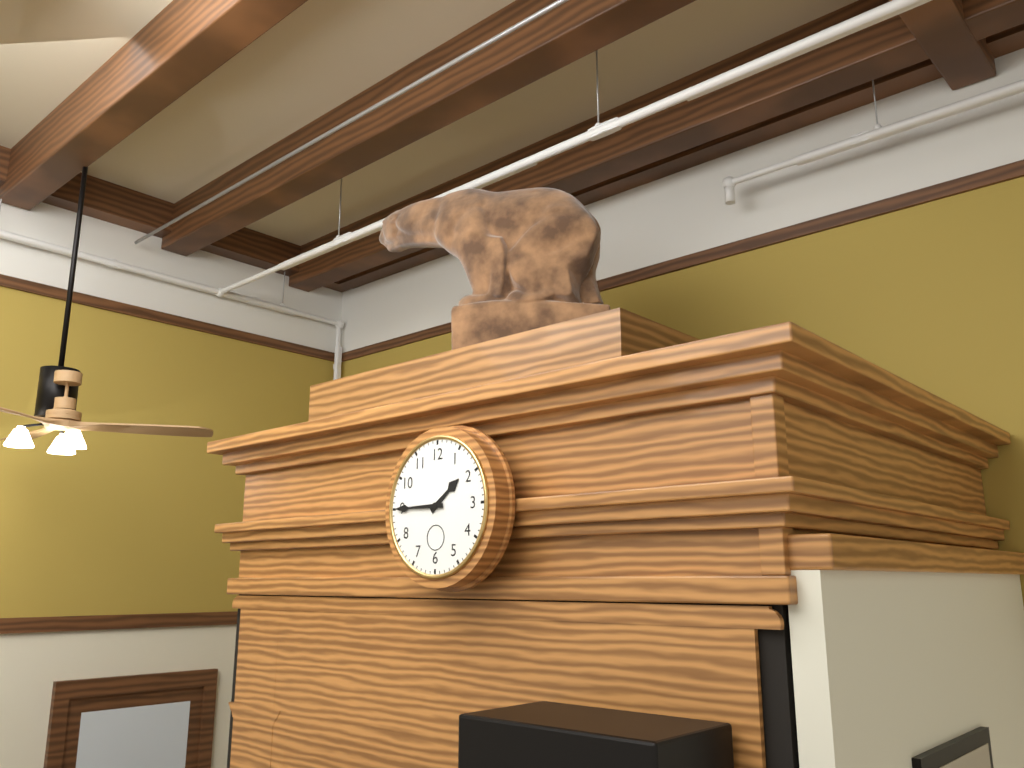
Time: h=1 m=45
